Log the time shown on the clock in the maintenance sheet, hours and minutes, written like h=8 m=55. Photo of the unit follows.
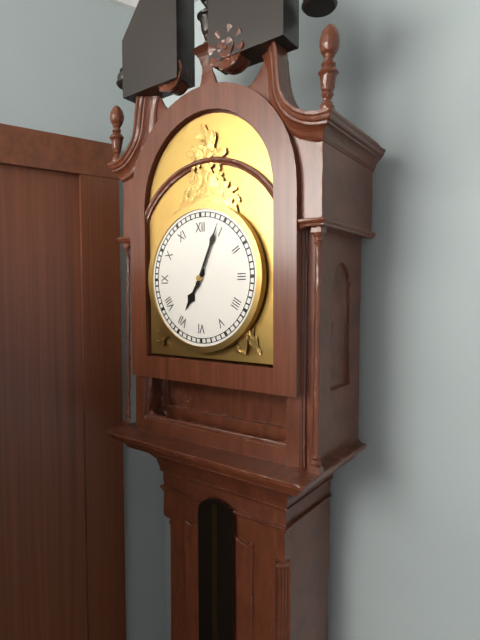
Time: h=7 m=4
